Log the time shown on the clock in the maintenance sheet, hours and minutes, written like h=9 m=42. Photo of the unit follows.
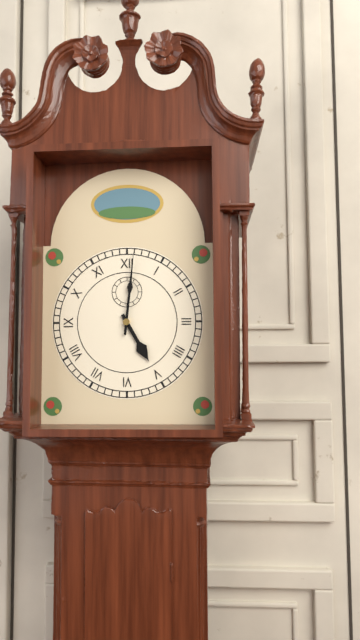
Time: h=5 m=1
